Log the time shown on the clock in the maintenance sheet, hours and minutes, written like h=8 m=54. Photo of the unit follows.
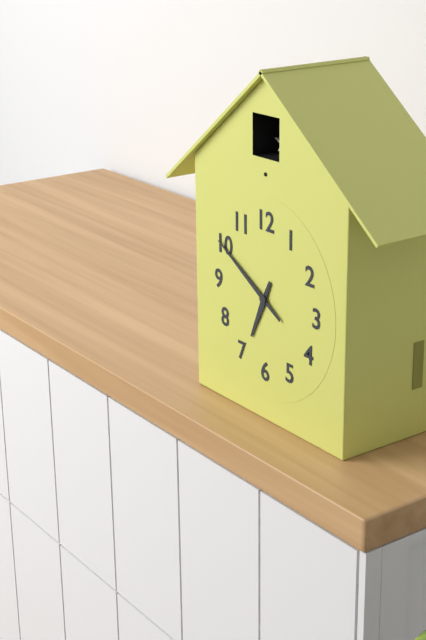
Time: h=6 m=50
